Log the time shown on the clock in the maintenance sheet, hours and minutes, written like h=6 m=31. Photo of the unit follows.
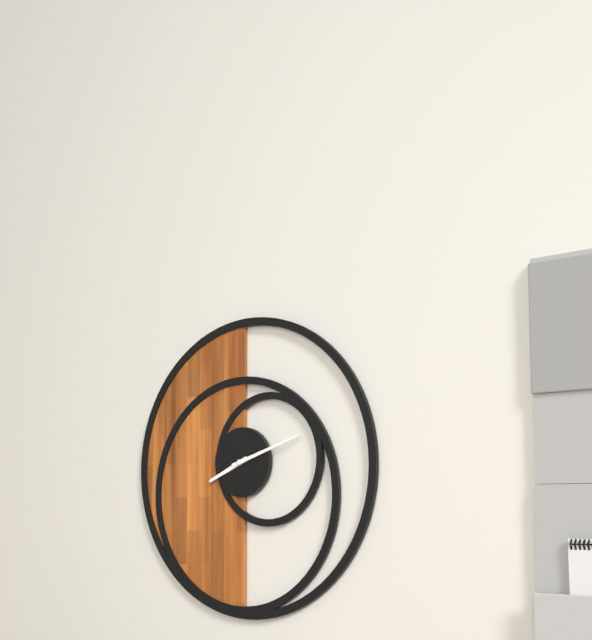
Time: h=8 m=12
